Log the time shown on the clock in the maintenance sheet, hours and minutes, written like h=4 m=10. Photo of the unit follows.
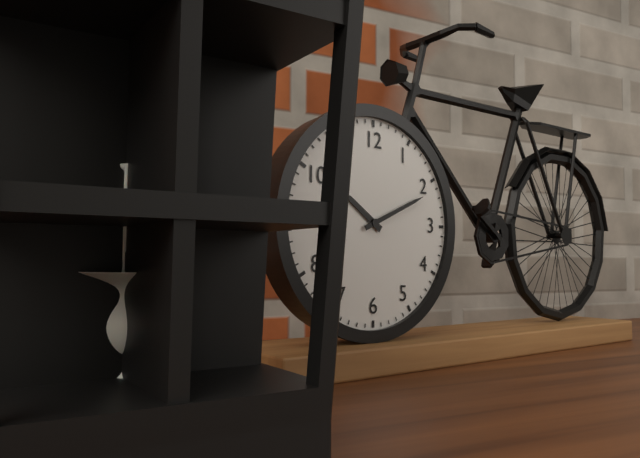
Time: h=10 m=11
